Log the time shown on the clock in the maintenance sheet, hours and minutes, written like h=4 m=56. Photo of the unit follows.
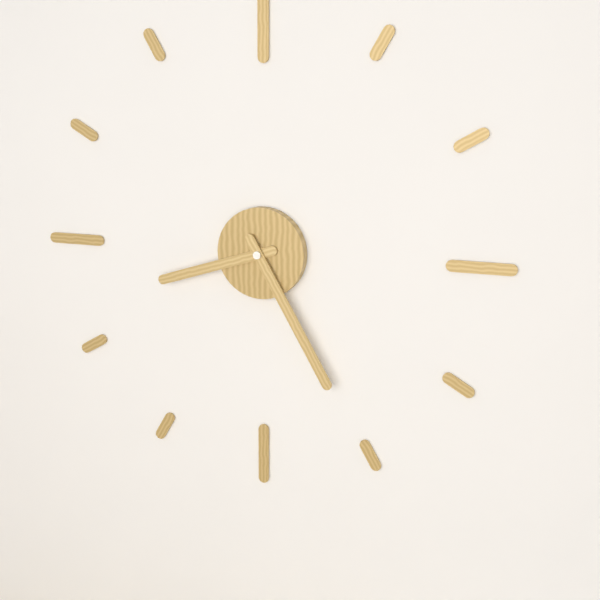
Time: h=8 m=25
